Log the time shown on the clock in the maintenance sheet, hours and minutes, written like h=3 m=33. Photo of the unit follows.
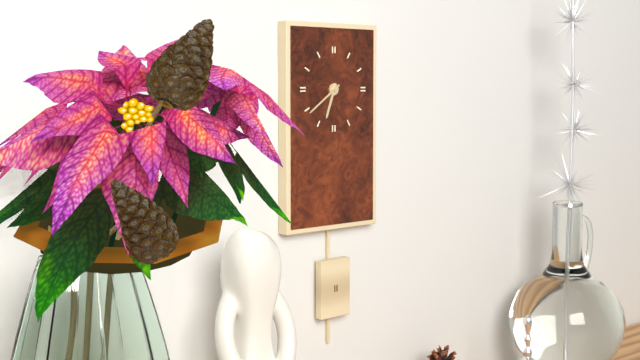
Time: h=6 m=39
